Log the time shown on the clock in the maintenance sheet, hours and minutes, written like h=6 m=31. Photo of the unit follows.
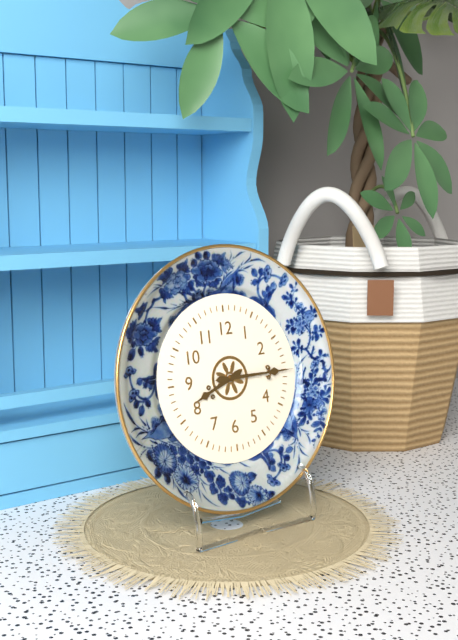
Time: h=8 m=15
